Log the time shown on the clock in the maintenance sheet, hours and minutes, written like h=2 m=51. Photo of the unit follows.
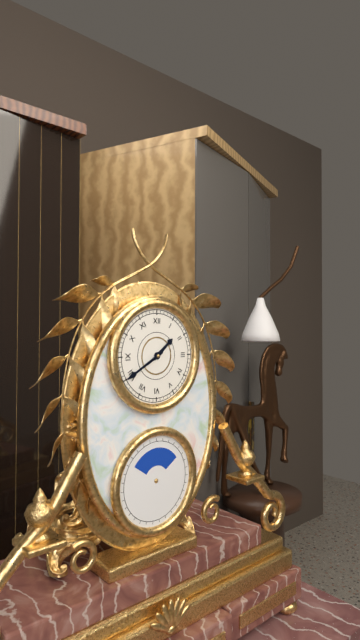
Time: h=1 m=40
